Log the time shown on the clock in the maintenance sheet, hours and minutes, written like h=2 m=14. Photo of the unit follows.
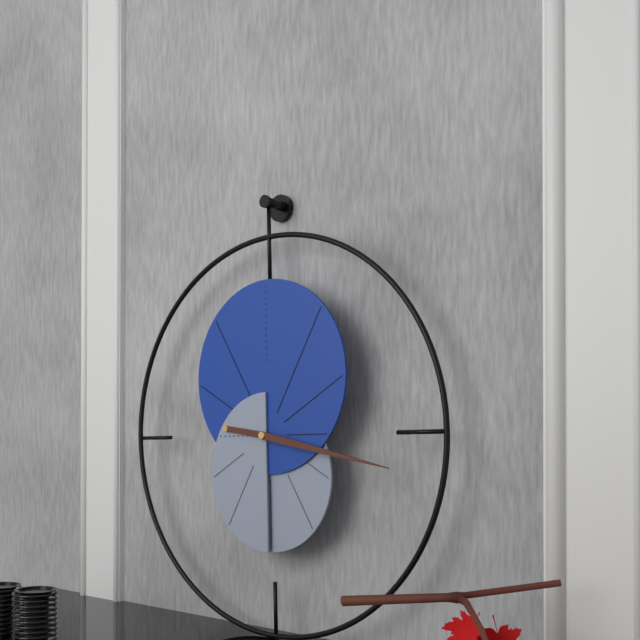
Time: h=9 m=17
